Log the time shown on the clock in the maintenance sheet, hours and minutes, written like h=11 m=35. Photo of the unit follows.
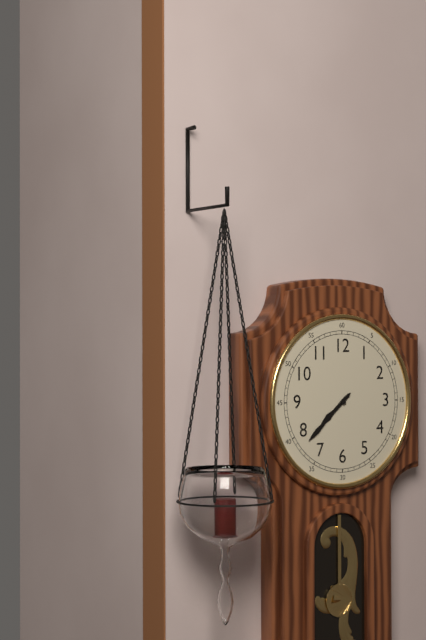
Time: h=7 m=38
